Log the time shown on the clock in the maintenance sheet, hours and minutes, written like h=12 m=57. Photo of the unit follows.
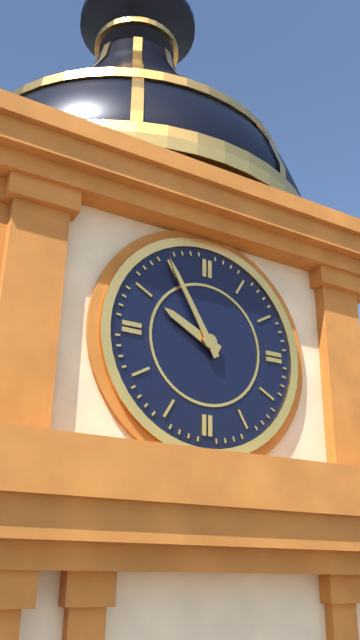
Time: h=9 m=55
